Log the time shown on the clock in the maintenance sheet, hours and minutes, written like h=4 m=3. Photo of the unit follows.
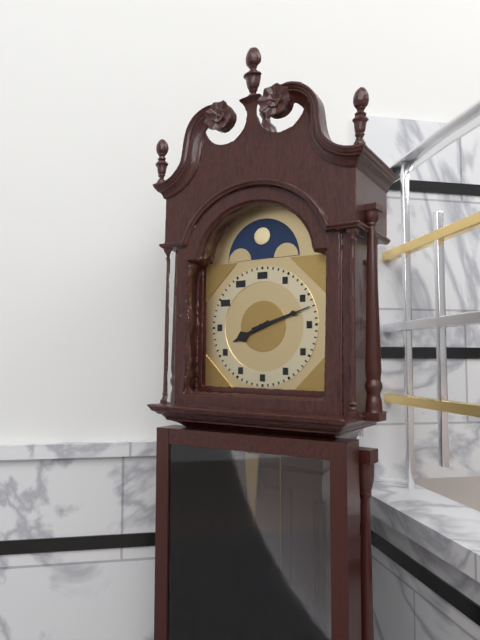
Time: h=8 m=12
